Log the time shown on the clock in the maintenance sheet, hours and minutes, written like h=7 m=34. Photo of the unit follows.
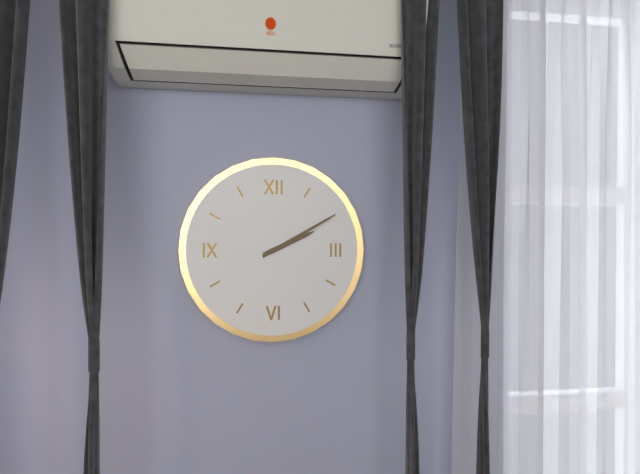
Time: h=2 m=10
